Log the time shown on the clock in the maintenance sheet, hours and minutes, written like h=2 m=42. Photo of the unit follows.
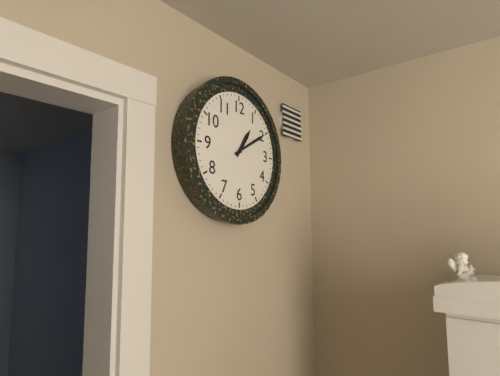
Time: h=1 m=10
